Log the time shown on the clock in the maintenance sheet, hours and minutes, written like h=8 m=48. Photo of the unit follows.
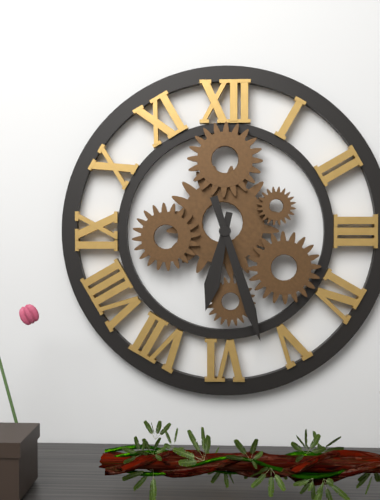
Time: h=6 m=27
